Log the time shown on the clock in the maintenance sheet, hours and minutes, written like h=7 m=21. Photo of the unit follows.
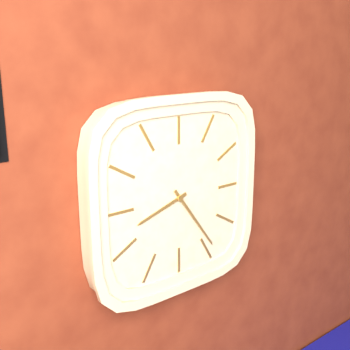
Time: h=8 m=24
